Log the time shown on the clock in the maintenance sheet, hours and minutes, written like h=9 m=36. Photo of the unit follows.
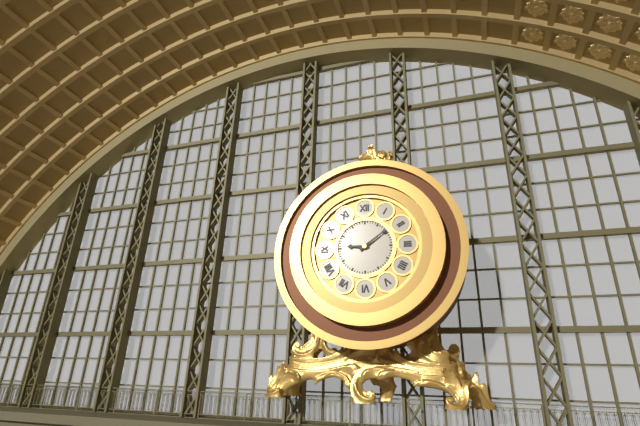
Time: h=9 m=9
